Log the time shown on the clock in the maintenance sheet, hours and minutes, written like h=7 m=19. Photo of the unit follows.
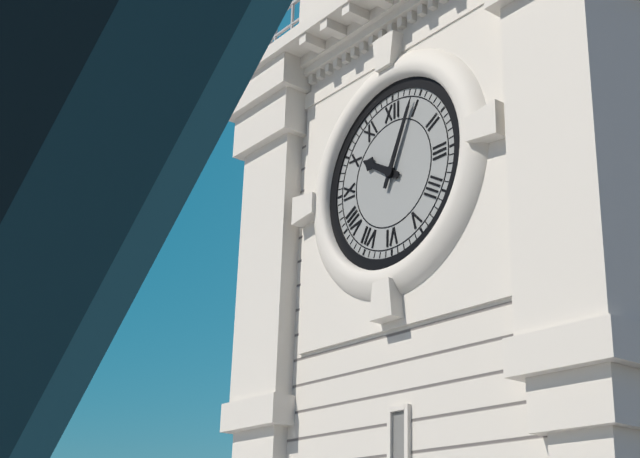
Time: h=10 m=4
